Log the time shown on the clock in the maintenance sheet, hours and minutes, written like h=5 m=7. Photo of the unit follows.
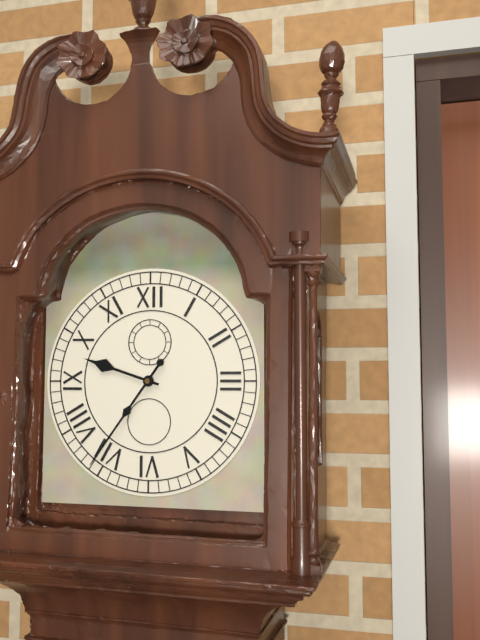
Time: h=9 m=36
